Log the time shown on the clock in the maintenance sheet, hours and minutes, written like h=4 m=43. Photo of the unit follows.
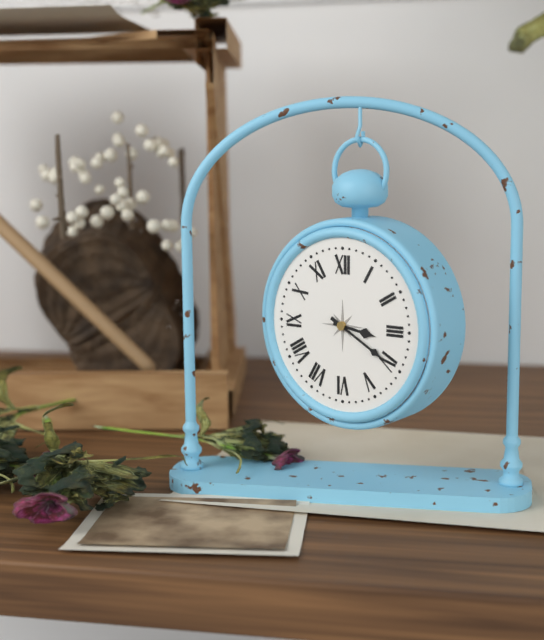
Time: h=3 m=20
